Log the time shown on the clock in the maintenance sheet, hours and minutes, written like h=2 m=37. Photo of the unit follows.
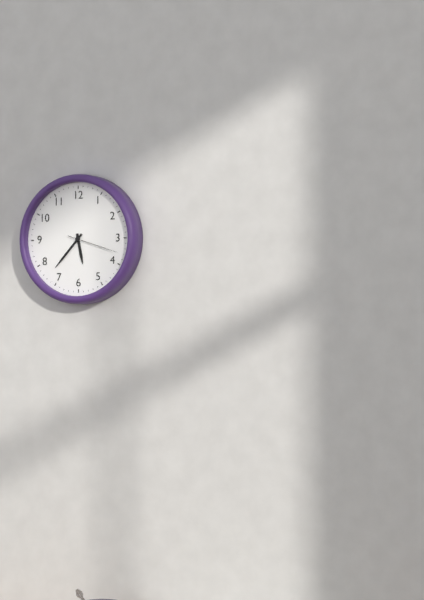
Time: h=5 m=37
